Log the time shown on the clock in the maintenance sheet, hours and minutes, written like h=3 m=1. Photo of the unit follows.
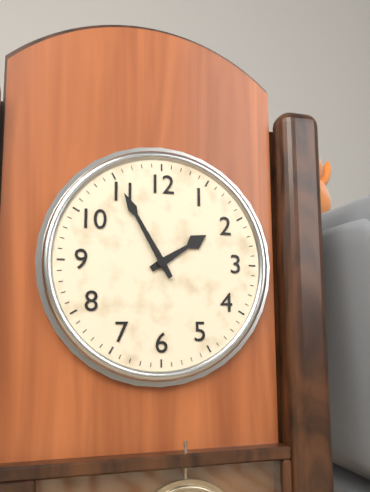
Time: h=1 m=55
